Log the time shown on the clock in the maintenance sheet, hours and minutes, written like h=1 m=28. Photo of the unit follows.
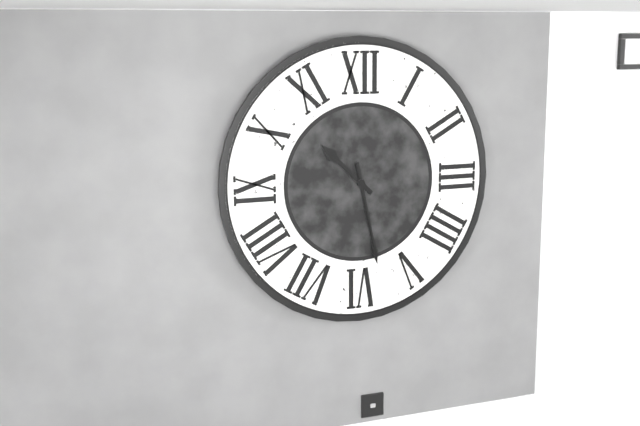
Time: h=10 m=28
